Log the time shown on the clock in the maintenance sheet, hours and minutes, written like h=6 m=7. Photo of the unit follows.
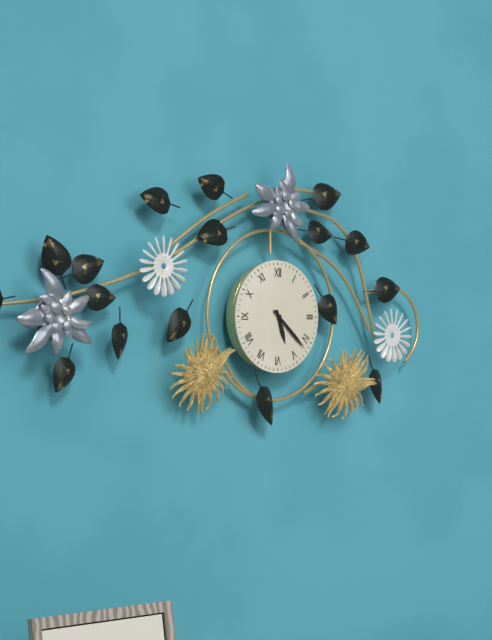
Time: h=5 m=22
